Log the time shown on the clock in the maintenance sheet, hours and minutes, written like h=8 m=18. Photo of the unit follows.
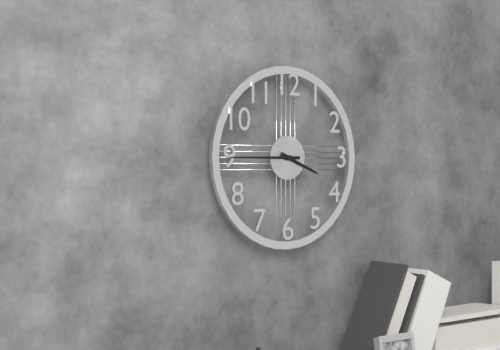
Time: h=3 m=45
